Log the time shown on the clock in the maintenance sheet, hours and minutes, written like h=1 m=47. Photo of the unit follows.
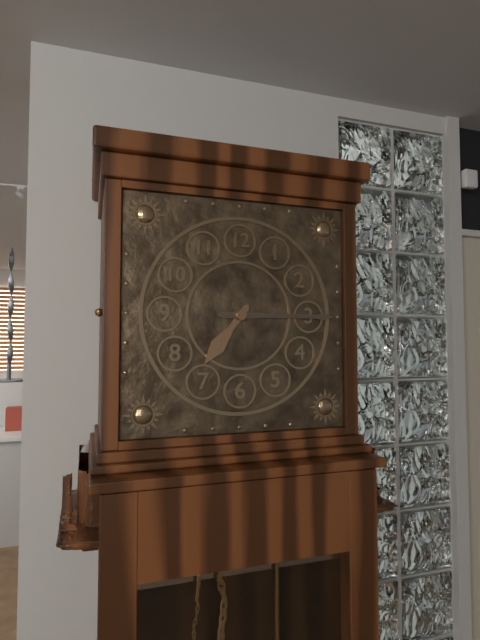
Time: h=7 m=15
